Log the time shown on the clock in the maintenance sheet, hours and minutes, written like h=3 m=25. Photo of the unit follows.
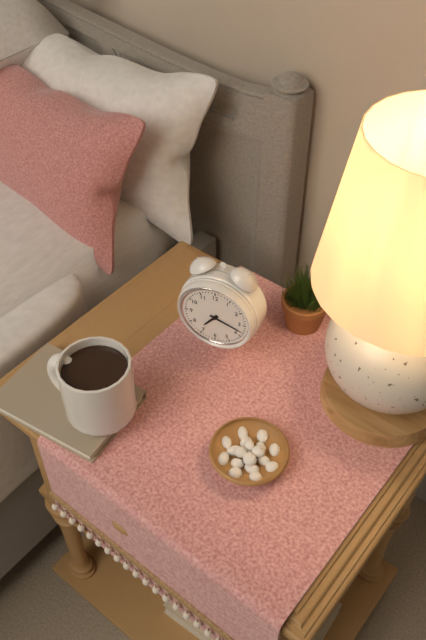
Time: h=7 m=18
